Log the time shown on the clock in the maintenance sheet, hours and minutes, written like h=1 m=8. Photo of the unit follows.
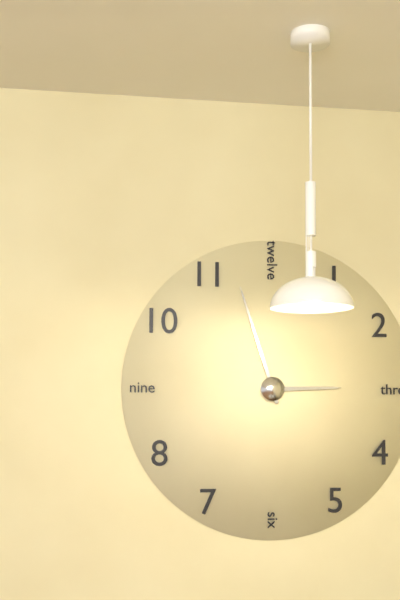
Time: h=2 m=57
